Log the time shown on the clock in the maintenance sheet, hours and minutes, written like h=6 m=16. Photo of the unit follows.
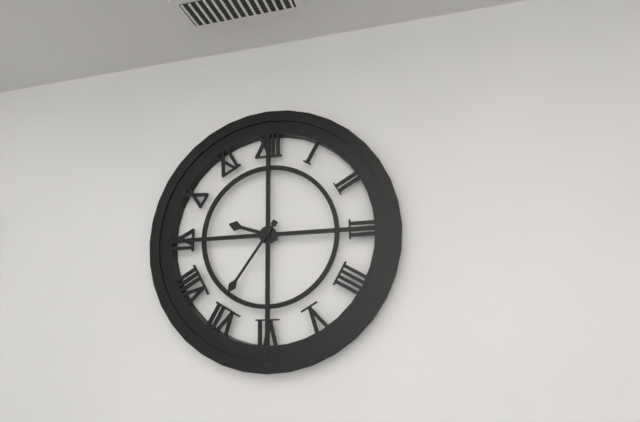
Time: h=9 m=36
